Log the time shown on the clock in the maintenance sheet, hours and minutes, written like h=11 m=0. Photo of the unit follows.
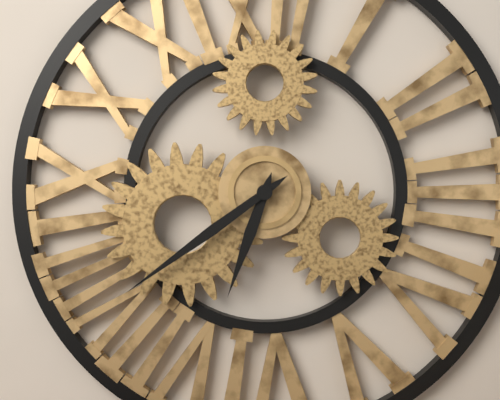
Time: h=6 m=39
